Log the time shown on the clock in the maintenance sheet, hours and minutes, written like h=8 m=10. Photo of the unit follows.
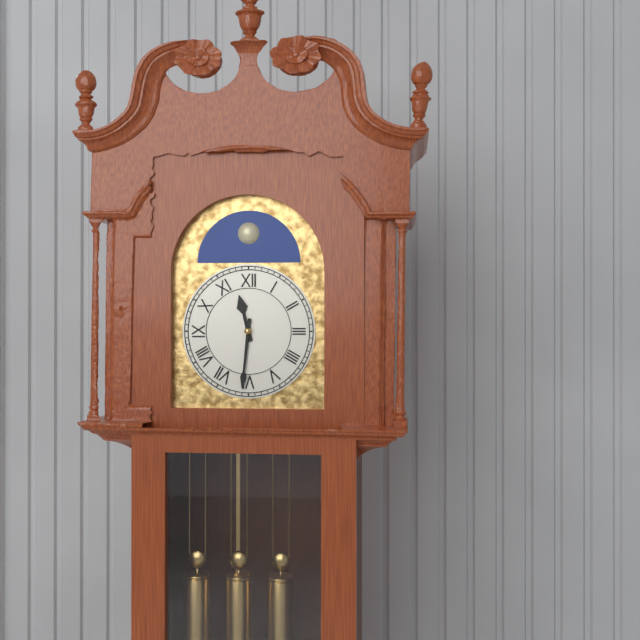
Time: h=11 m=31
